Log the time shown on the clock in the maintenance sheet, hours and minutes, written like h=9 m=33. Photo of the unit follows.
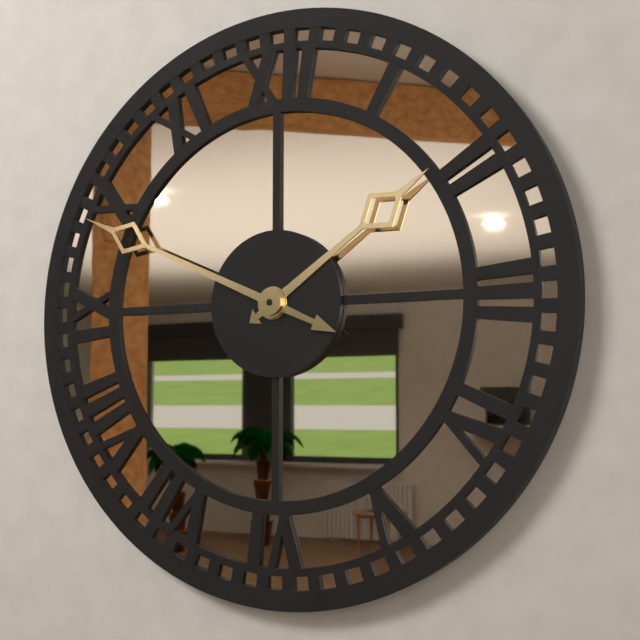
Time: h=1 m=49
